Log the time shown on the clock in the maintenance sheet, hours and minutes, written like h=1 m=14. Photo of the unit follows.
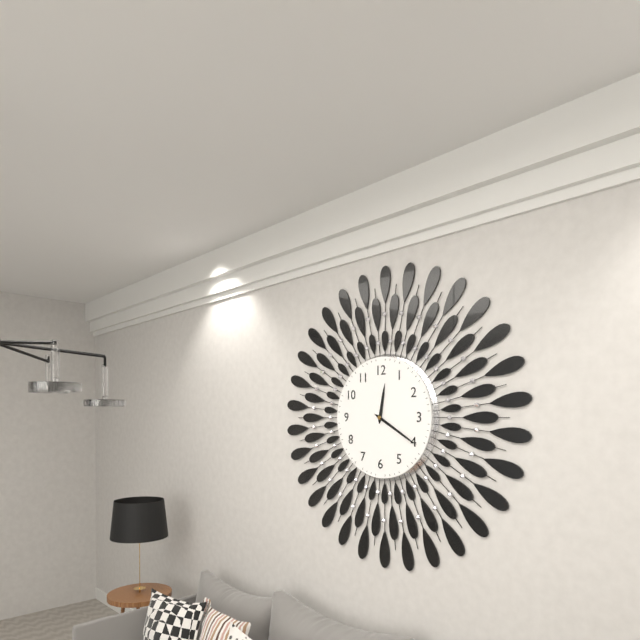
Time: h=12 m=20
